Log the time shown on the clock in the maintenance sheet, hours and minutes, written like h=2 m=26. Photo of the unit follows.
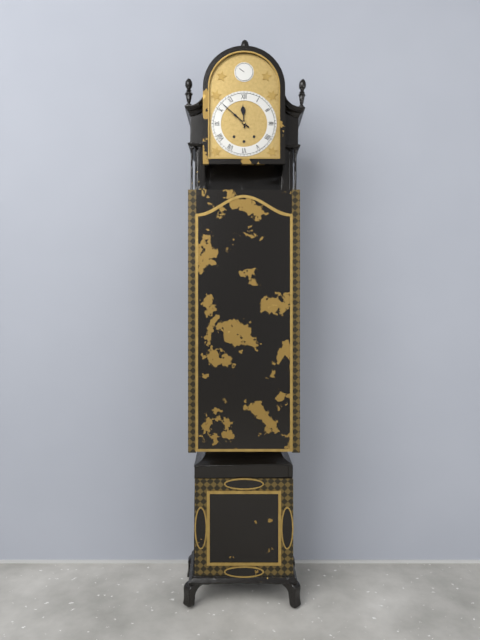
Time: h=11 m=52
